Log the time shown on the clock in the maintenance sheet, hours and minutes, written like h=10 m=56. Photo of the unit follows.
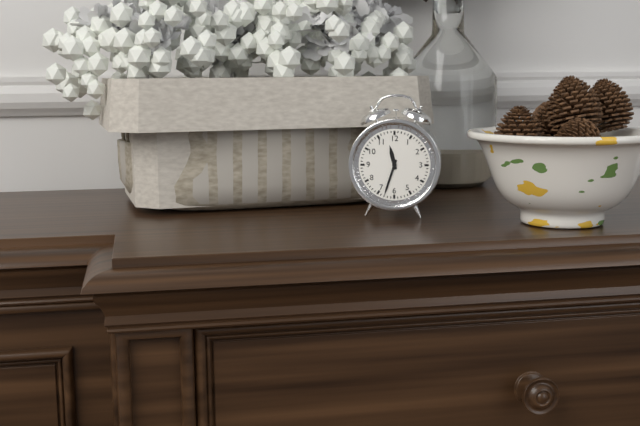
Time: h=11 m=33
